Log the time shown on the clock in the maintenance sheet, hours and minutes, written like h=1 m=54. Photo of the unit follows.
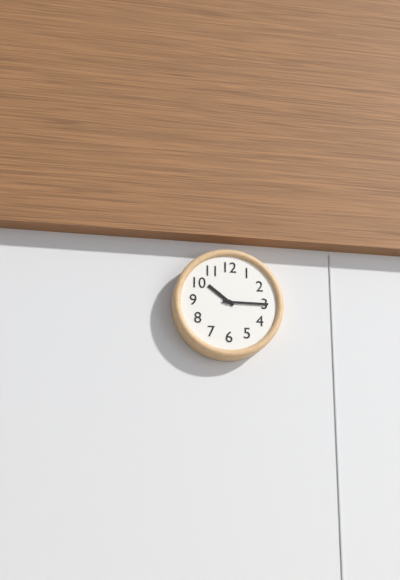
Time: h=10 m=15
